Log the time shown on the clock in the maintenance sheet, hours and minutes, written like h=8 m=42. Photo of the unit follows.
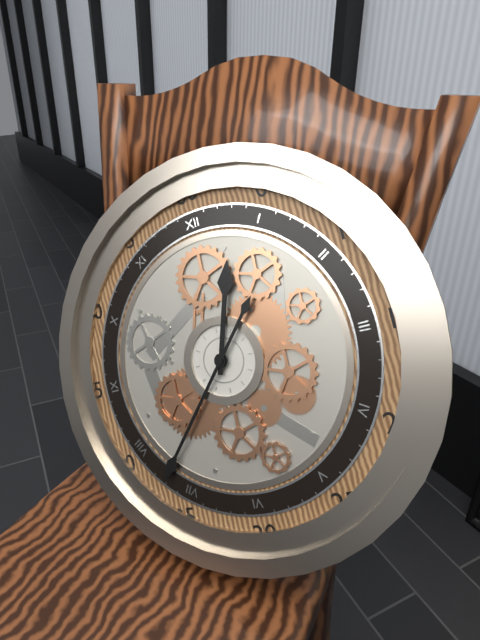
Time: h=12 m=37
